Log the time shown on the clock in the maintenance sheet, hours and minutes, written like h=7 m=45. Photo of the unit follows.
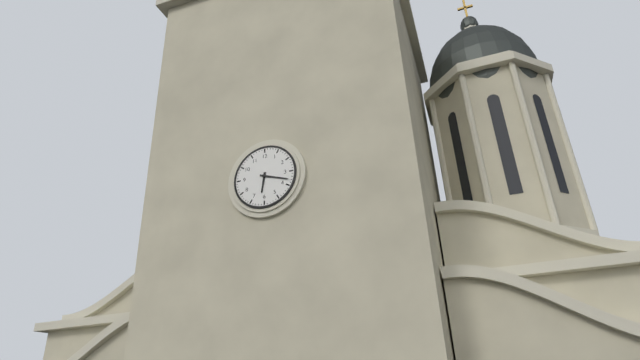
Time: h=6 m=18
